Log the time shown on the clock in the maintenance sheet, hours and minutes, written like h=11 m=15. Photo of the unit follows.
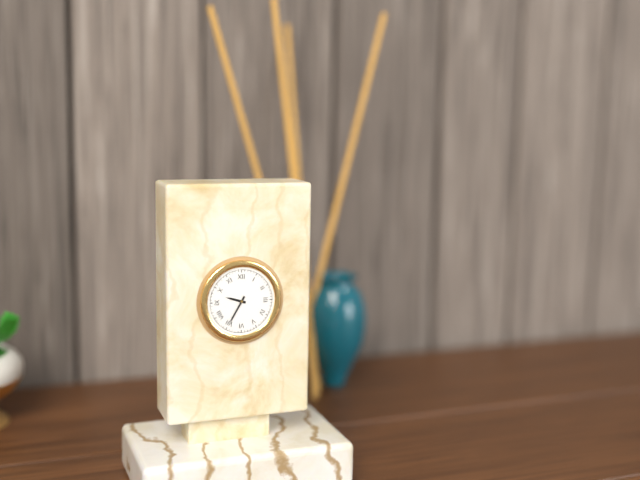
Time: h=9 m=35
